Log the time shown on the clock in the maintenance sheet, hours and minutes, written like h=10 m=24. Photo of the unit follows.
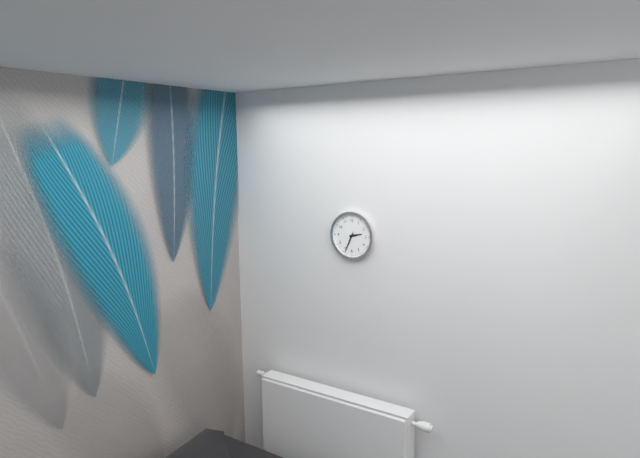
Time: h=2 m=34
